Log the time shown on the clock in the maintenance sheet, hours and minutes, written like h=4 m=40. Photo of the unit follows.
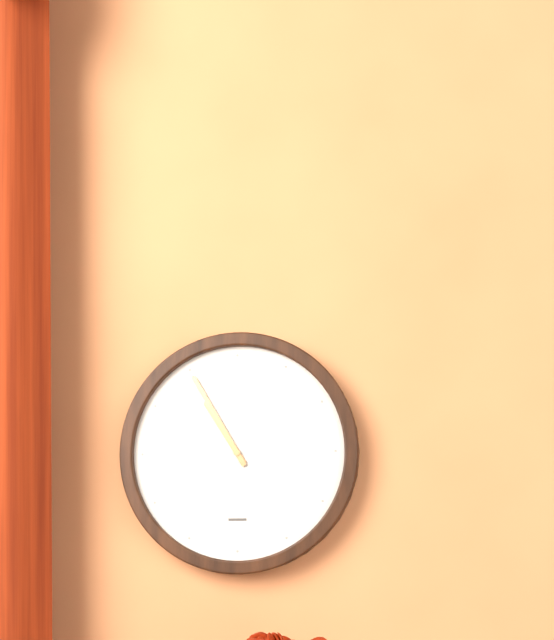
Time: h=10 m=55
